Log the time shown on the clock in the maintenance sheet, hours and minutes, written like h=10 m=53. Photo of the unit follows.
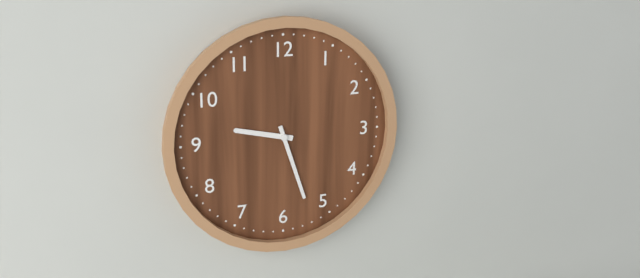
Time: h=9 m=27
